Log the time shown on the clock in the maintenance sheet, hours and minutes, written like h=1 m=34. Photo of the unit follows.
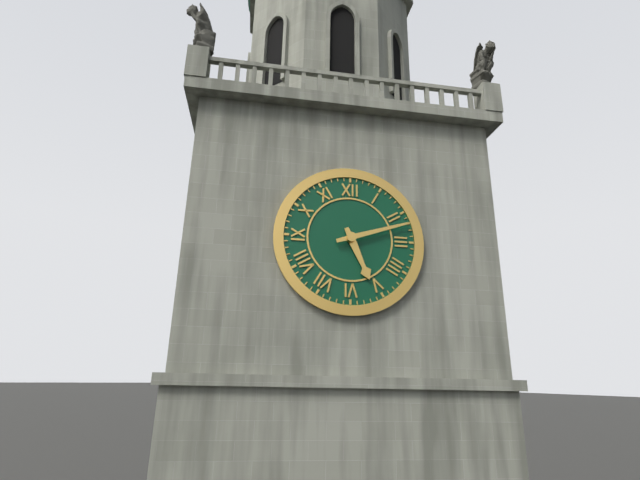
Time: h=5 m=12
